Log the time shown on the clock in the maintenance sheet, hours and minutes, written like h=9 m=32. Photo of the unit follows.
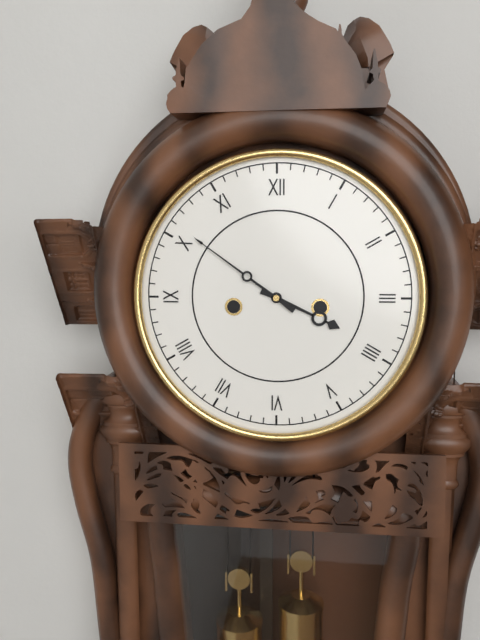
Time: h=3 m=51
